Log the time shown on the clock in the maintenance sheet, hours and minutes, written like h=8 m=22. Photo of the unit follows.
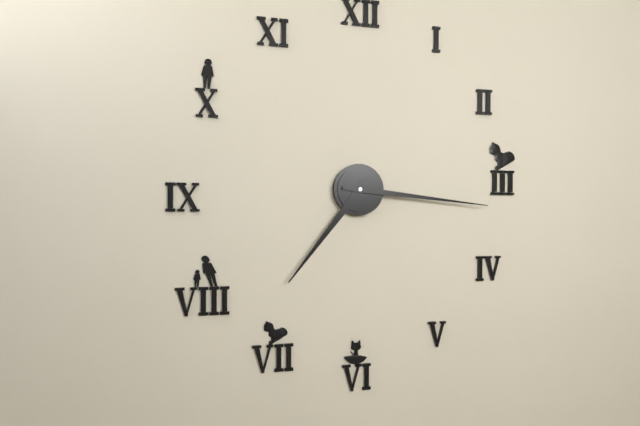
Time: h=7 m=16
